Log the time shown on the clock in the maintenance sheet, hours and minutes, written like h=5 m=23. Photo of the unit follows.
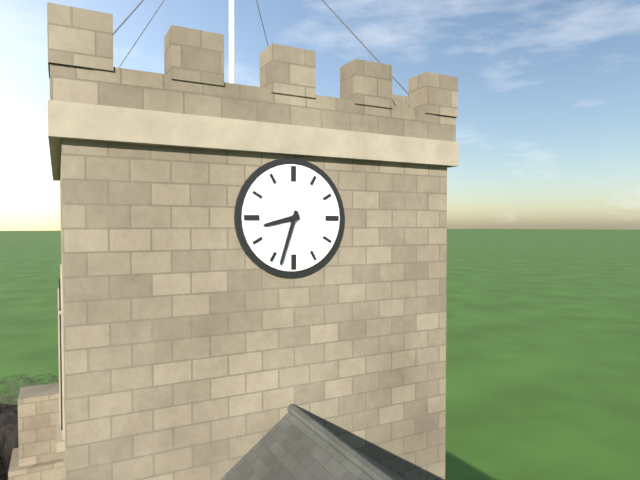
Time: h=8 m=33
